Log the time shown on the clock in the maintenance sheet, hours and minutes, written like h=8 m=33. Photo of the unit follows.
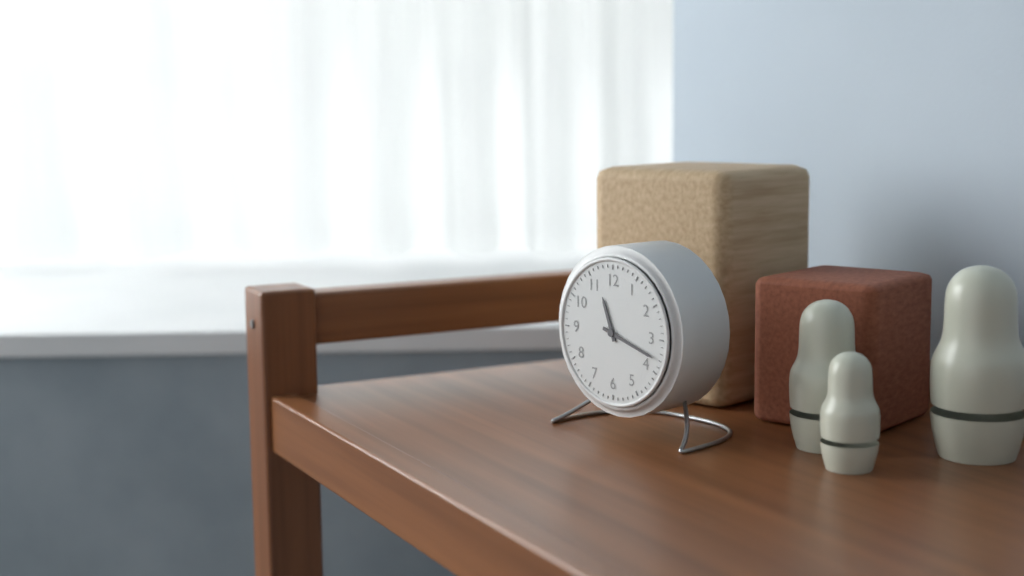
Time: h=11 m=18
